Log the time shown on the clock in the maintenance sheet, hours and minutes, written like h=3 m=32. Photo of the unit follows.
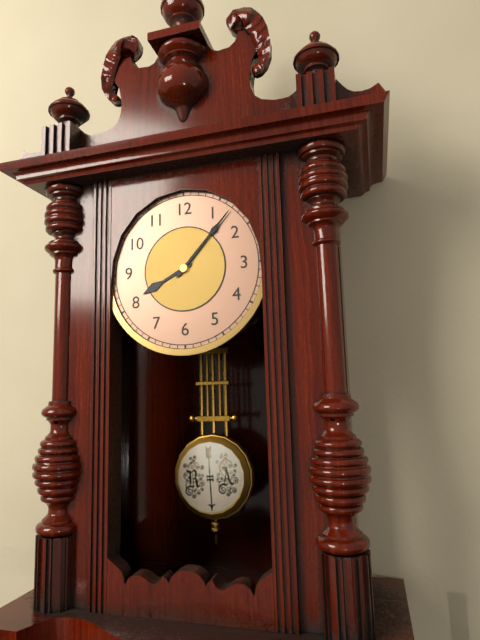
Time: h=8 m=7
